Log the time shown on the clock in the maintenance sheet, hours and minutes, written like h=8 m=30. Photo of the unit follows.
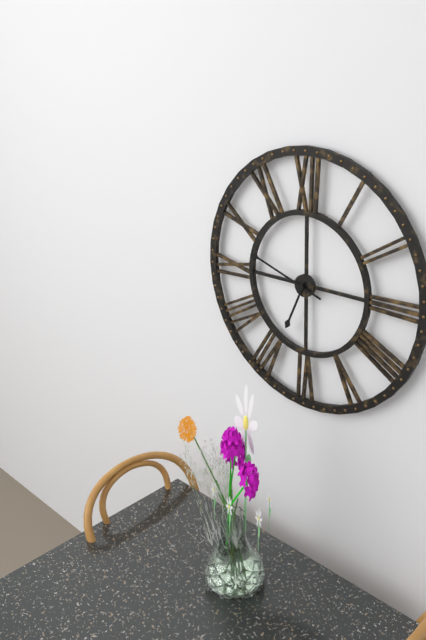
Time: h=6 m=48
